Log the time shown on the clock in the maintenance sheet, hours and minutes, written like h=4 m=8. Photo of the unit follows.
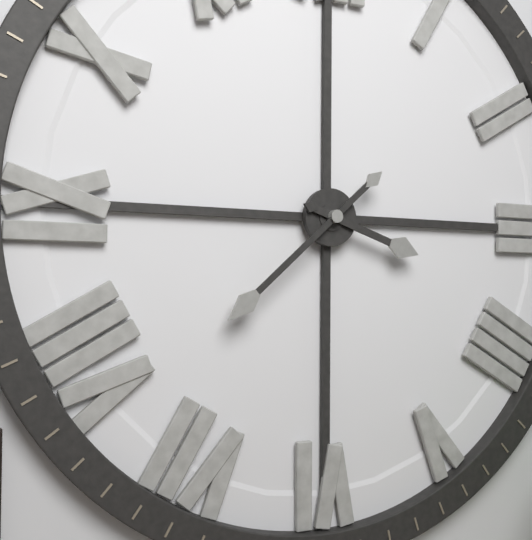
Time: h=3 m=38
